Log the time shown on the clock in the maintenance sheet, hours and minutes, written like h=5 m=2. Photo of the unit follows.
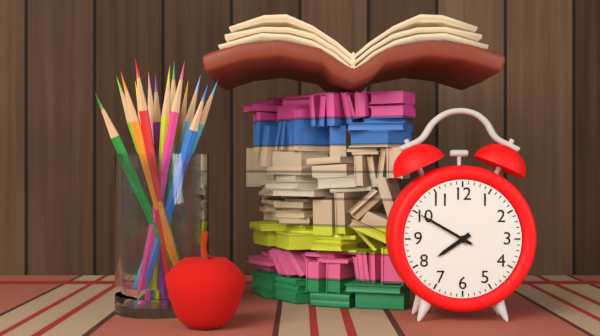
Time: h=7 m=50
